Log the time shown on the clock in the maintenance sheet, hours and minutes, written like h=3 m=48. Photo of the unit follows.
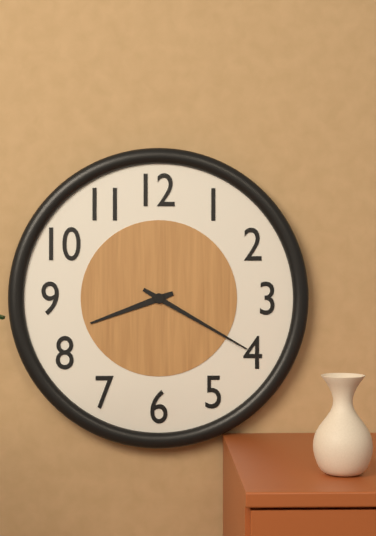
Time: h=8 m=20
